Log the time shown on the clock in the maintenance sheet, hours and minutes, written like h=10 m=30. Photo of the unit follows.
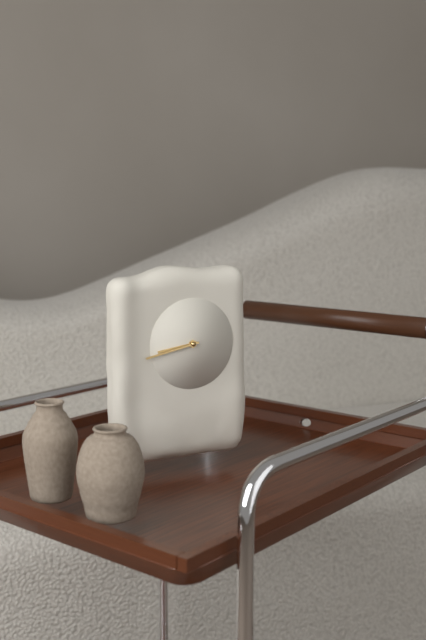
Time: h=8 m=43
